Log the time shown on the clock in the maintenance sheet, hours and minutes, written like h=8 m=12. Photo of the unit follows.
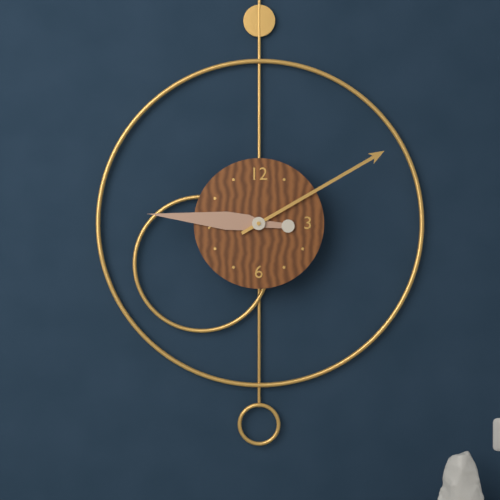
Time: h=9 m=10
